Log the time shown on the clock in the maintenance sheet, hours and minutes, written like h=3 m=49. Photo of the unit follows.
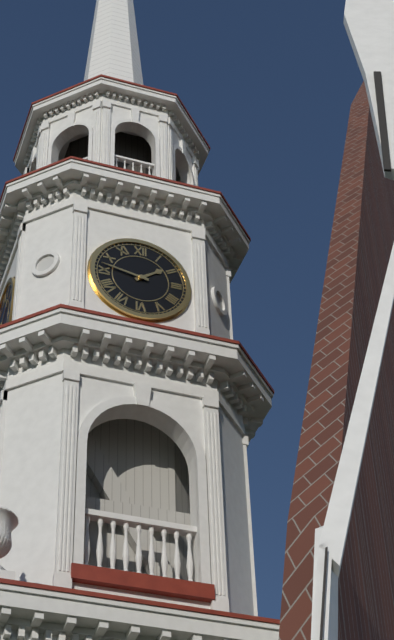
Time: h=1 m=47
